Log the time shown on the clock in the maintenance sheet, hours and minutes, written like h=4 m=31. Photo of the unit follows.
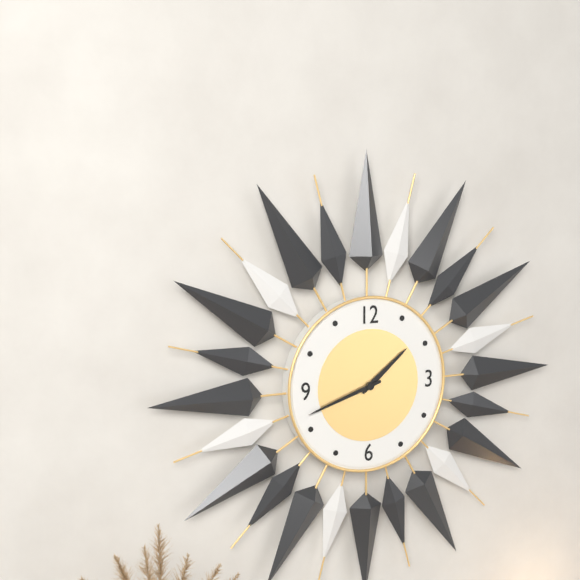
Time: h=1 m=42
